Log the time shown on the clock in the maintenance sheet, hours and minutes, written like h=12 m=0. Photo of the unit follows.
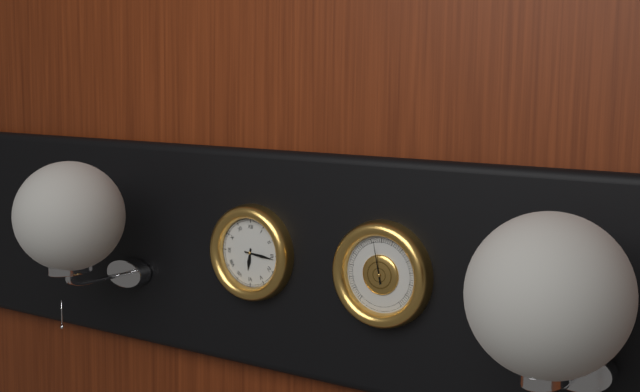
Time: h=6 m=16
